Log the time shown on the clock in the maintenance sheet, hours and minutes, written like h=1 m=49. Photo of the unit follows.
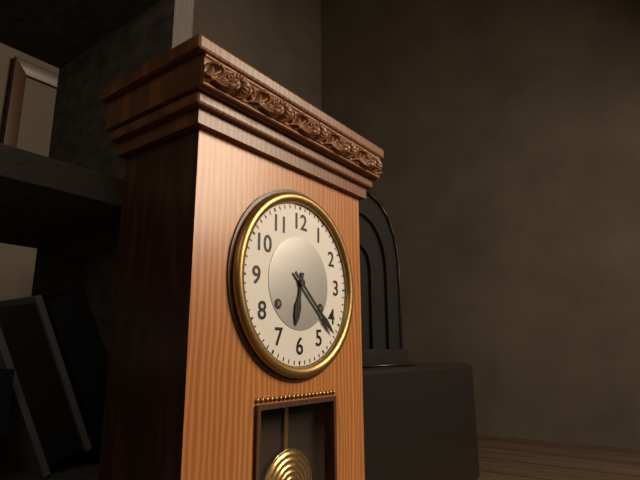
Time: h=6 m=22
